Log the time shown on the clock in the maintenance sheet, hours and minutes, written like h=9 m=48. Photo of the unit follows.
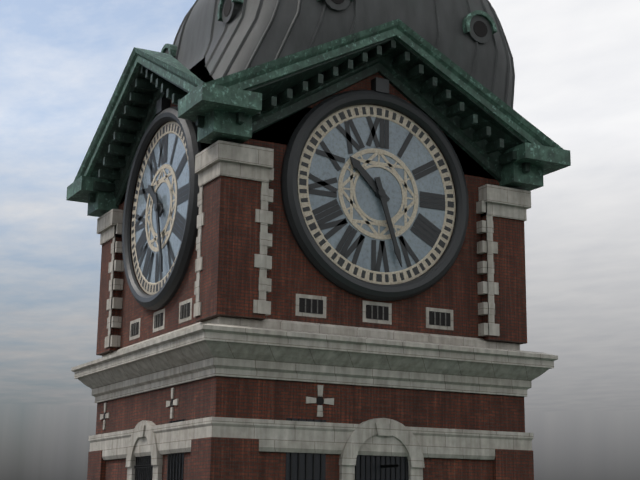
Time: h=10 m=27
